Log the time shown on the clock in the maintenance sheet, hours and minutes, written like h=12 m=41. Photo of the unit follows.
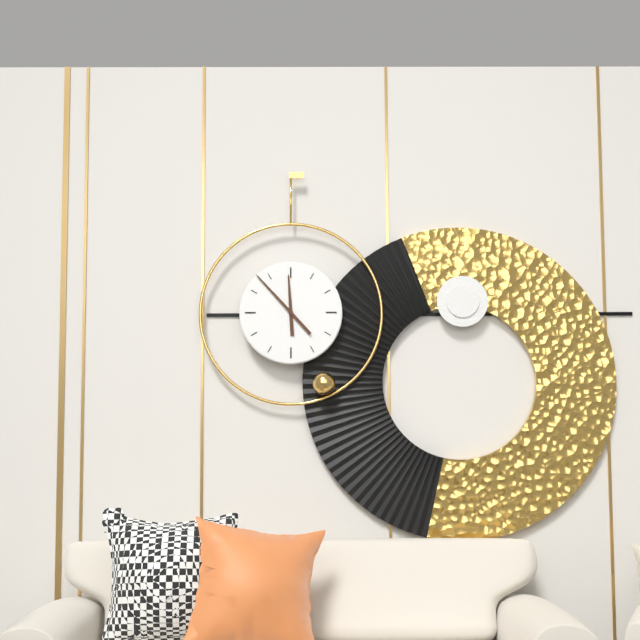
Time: h=11 m=53
